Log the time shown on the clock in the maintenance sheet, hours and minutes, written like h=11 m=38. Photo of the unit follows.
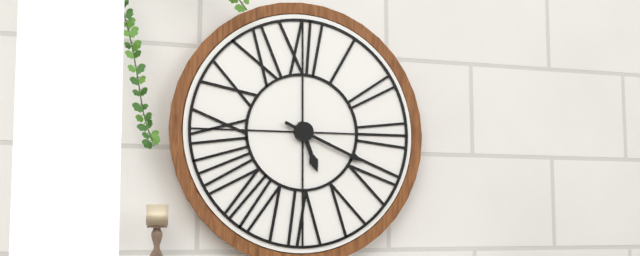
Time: h=5 m=19
